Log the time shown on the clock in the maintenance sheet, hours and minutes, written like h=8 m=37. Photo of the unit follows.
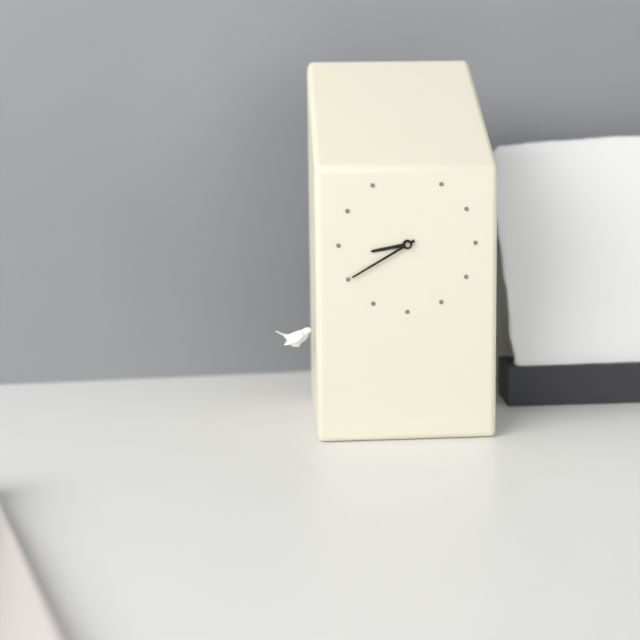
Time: h=8 m=40
